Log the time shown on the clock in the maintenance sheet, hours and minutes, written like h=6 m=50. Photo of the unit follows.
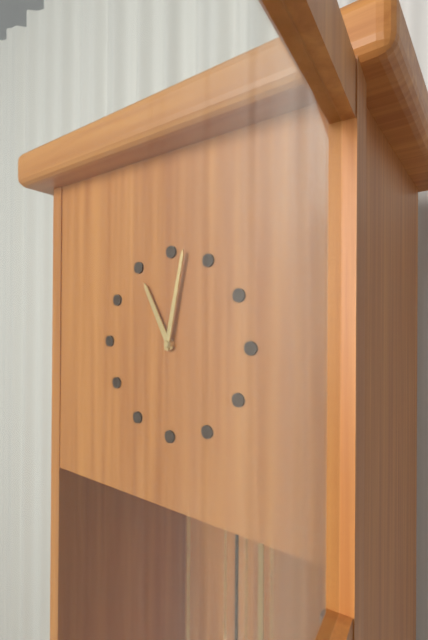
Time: h=11 m=2
